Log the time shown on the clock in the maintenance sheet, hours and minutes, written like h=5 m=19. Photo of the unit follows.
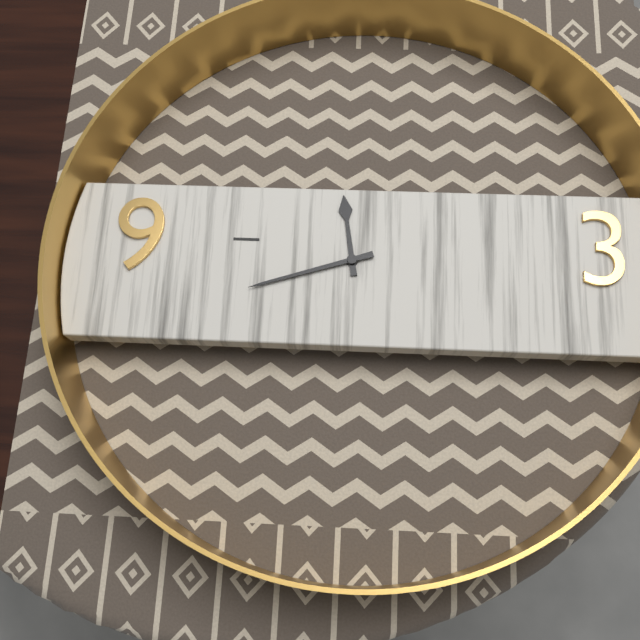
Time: h=11 m=42
